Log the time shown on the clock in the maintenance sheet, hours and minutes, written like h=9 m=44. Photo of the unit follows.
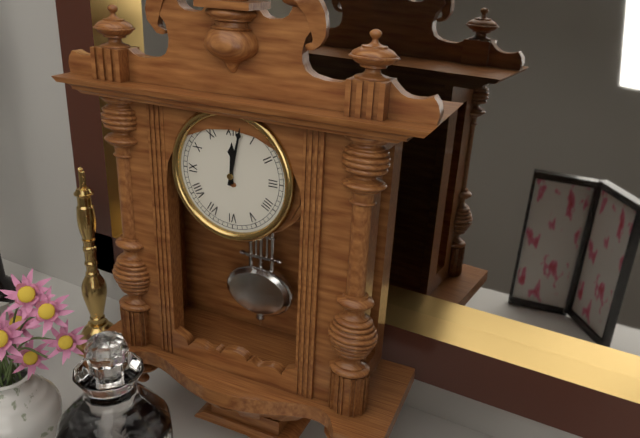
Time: h=12 m=2
